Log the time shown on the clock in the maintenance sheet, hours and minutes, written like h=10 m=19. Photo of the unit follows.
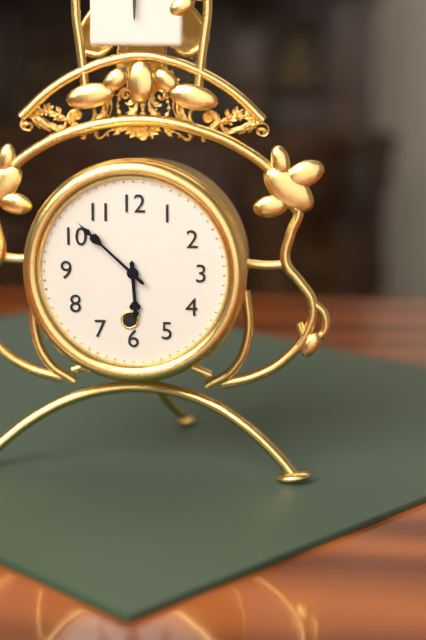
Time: h=5 m=52
